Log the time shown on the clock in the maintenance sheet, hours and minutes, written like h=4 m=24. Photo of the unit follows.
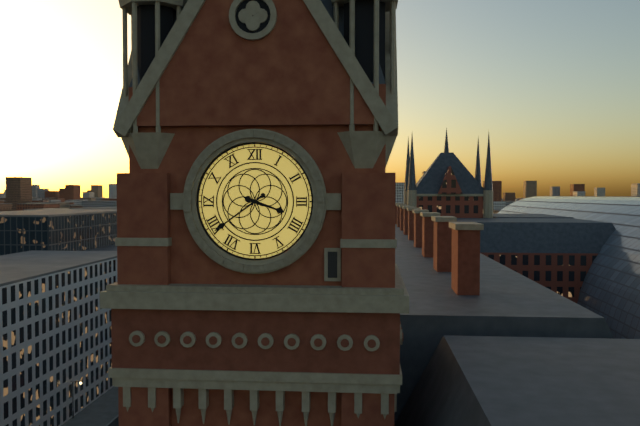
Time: h=3 m=39
